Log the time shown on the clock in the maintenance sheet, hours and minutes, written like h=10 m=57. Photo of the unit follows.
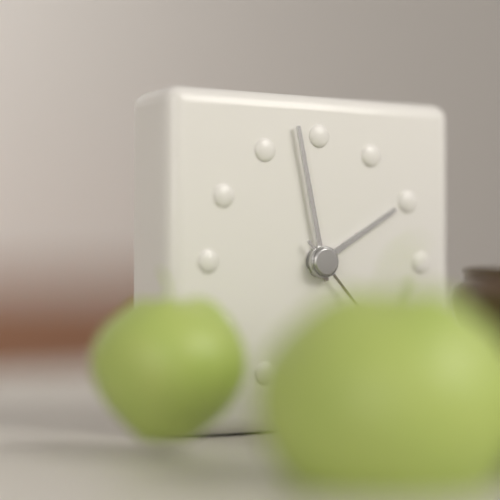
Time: h=1 m=58
